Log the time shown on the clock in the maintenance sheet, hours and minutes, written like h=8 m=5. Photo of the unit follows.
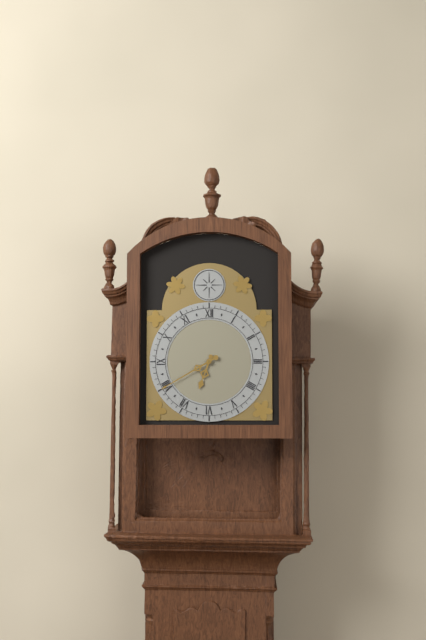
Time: h=6 m=40
